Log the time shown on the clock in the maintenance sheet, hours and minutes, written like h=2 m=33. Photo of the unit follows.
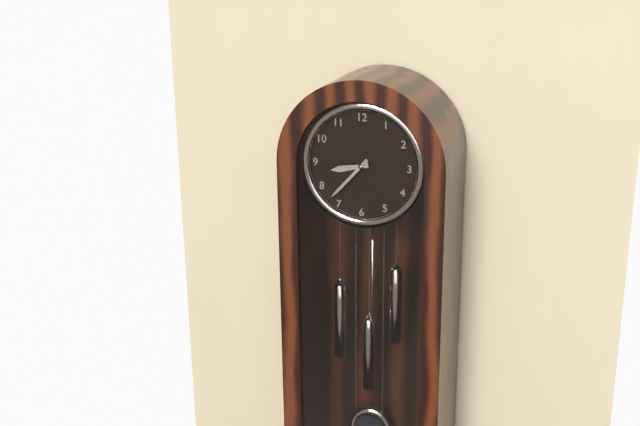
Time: h=8 m=37
